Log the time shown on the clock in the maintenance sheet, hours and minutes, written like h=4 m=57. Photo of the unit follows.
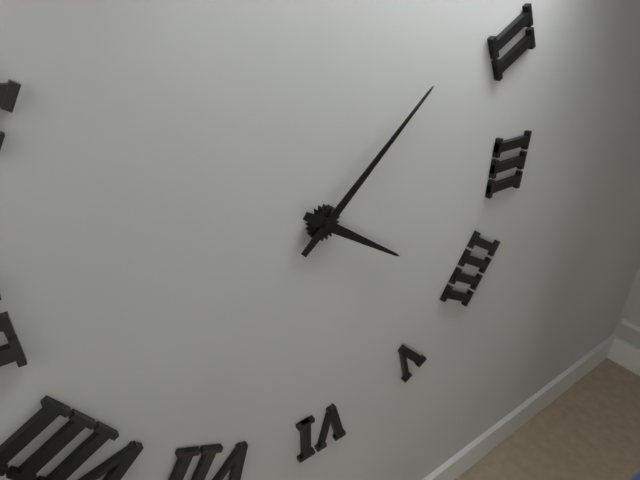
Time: h=4 m=8
